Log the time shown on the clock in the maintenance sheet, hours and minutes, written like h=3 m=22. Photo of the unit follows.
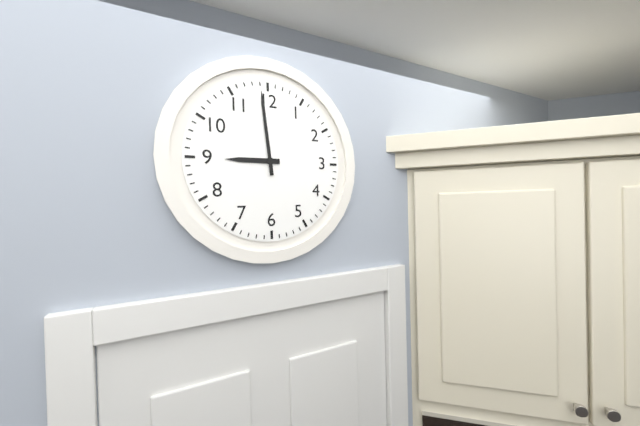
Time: h=8 m=59
